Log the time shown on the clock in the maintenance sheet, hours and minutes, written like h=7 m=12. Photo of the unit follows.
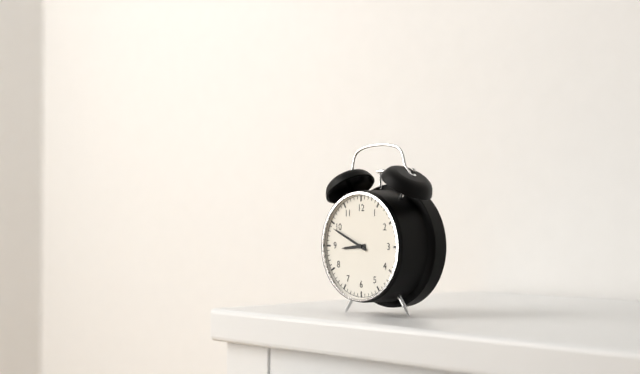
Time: h=8 m=49
